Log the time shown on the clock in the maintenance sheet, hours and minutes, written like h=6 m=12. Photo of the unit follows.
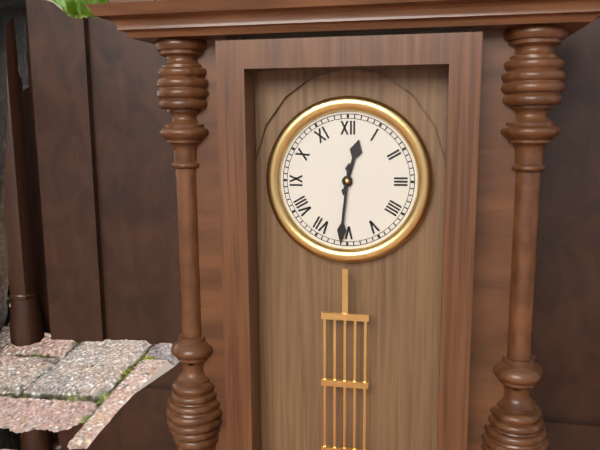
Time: h=12 m=31
